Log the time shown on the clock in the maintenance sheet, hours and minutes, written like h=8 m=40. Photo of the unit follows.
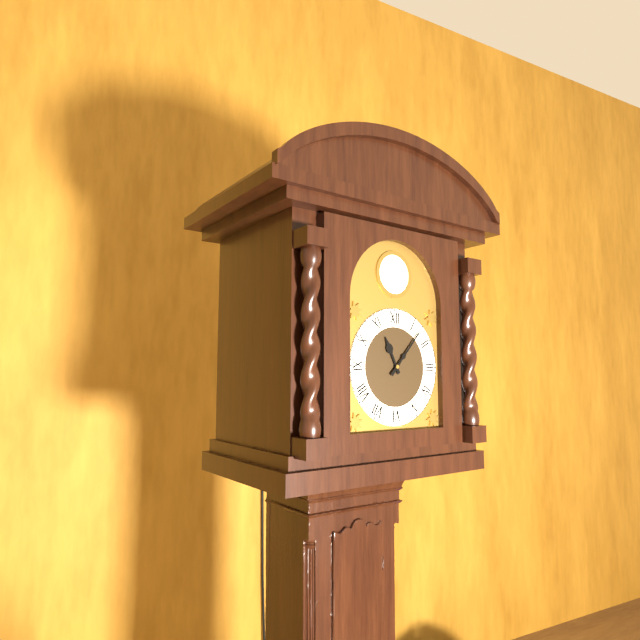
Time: h=11 m=7
